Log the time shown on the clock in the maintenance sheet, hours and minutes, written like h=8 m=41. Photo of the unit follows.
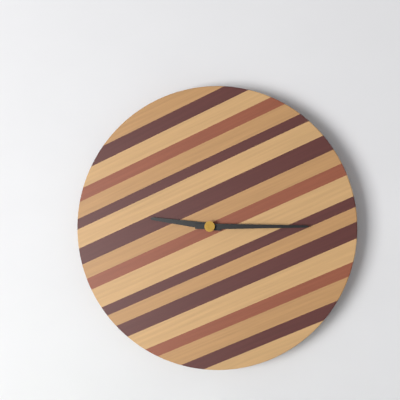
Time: h=9 m=15
